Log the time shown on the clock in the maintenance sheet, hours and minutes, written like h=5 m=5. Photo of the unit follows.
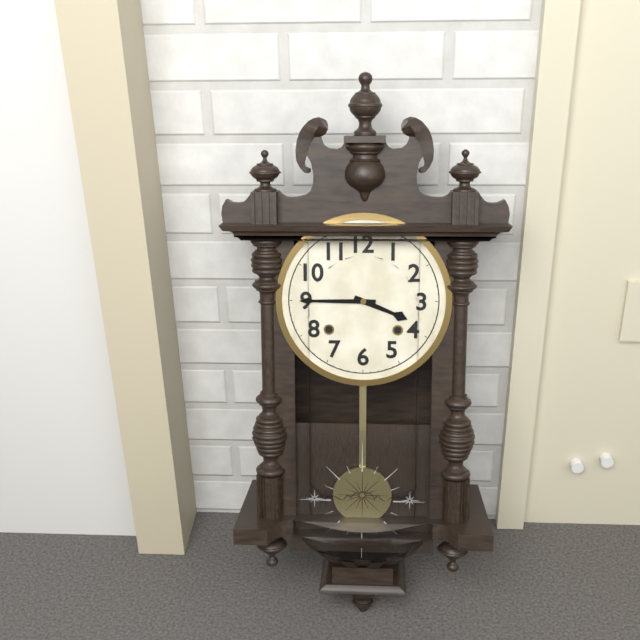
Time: h=3 m=45
